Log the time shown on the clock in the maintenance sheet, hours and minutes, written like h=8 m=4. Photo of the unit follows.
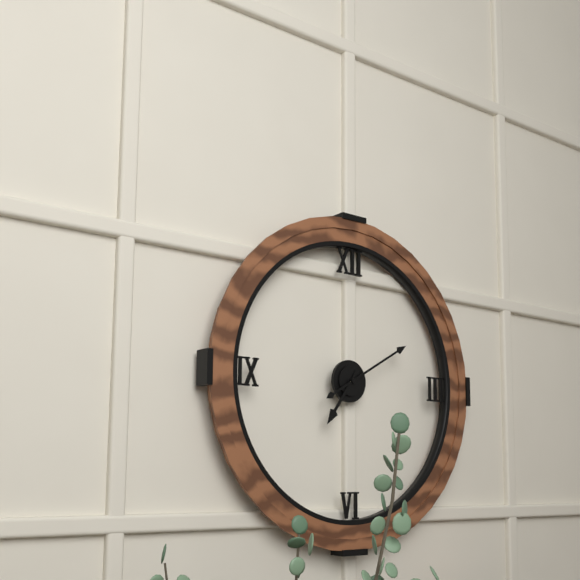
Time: h=7 m=10
